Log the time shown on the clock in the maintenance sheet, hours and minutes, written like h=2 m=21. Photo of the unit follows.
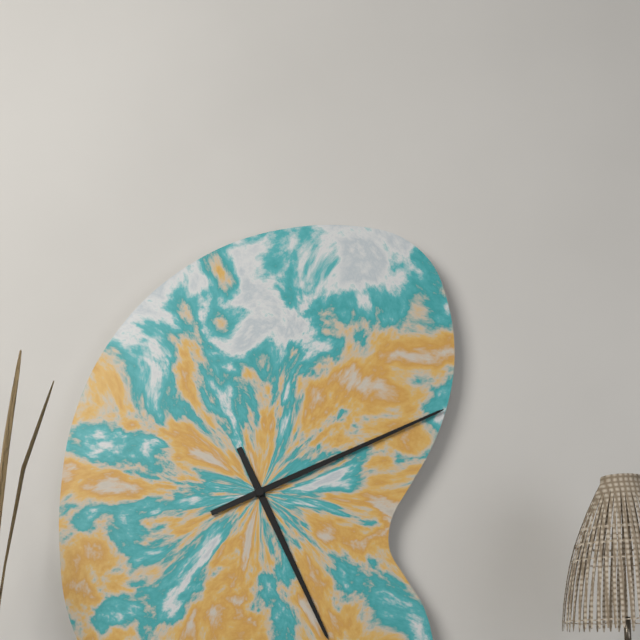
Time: h=5 m=11
